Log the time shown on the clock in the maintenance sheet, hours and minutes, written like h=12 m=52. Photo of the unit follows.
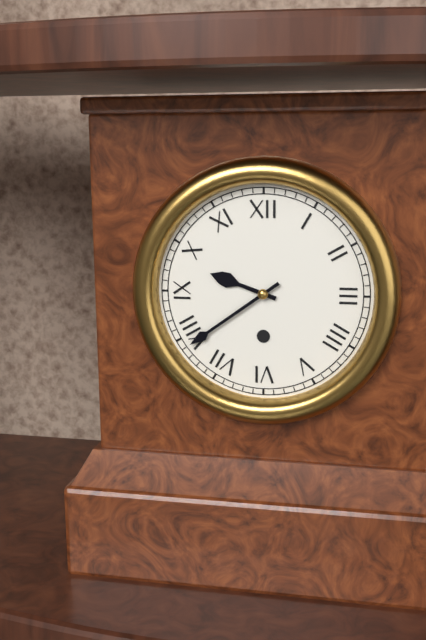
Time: h=9 m=39
